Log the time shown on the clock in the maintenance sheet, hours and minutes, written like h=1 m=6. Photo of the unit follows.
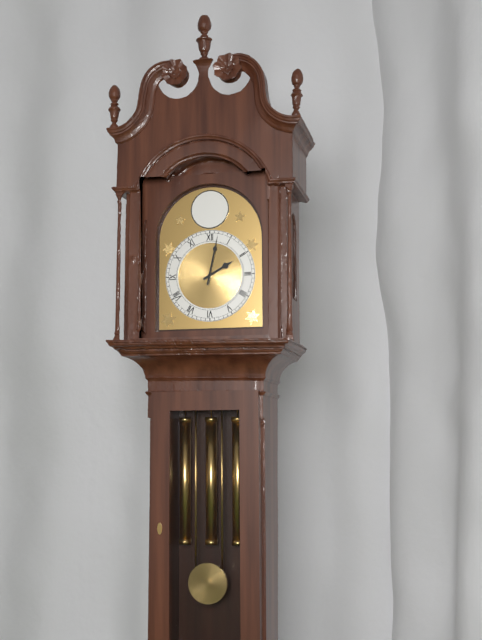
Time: h=2 m=2
